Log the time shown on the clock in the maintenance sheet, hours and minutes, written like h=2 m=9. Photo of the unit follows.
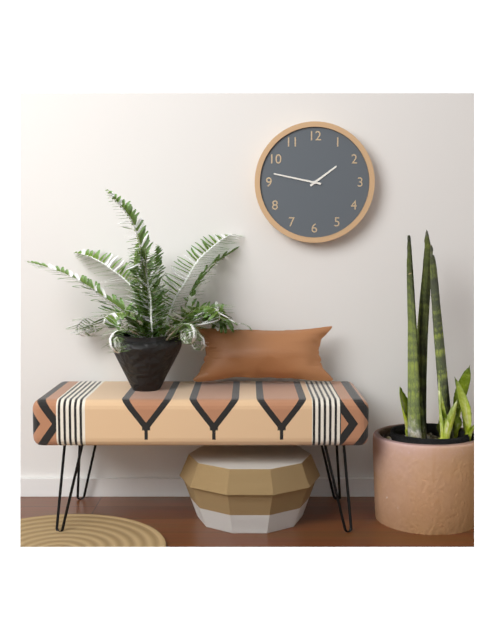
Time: h=1 m=47
